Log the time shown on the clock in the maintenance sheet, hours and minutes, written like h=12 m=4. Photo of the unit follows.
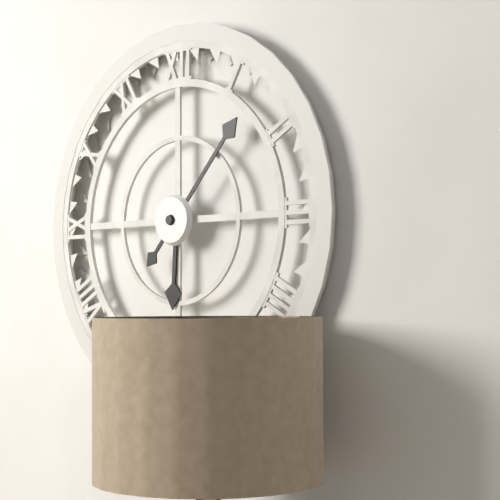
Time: h=6 m=7
